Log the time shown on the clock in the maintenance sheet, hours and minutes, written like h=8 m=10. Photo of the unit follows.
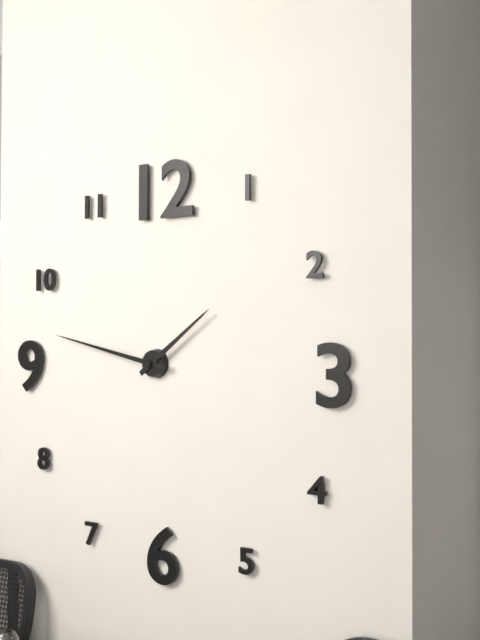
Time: h=1 m=47
